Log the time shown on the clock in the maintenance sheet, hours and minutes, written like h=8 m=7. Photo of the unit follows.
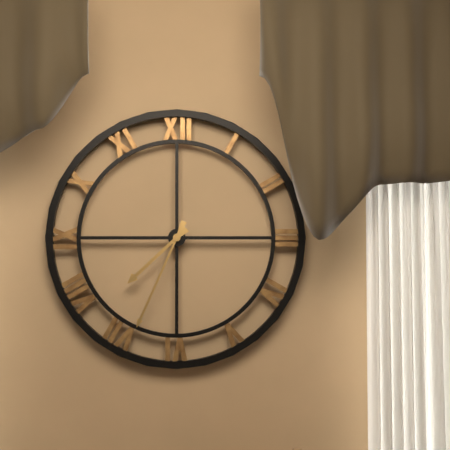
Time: h=7 m=34
